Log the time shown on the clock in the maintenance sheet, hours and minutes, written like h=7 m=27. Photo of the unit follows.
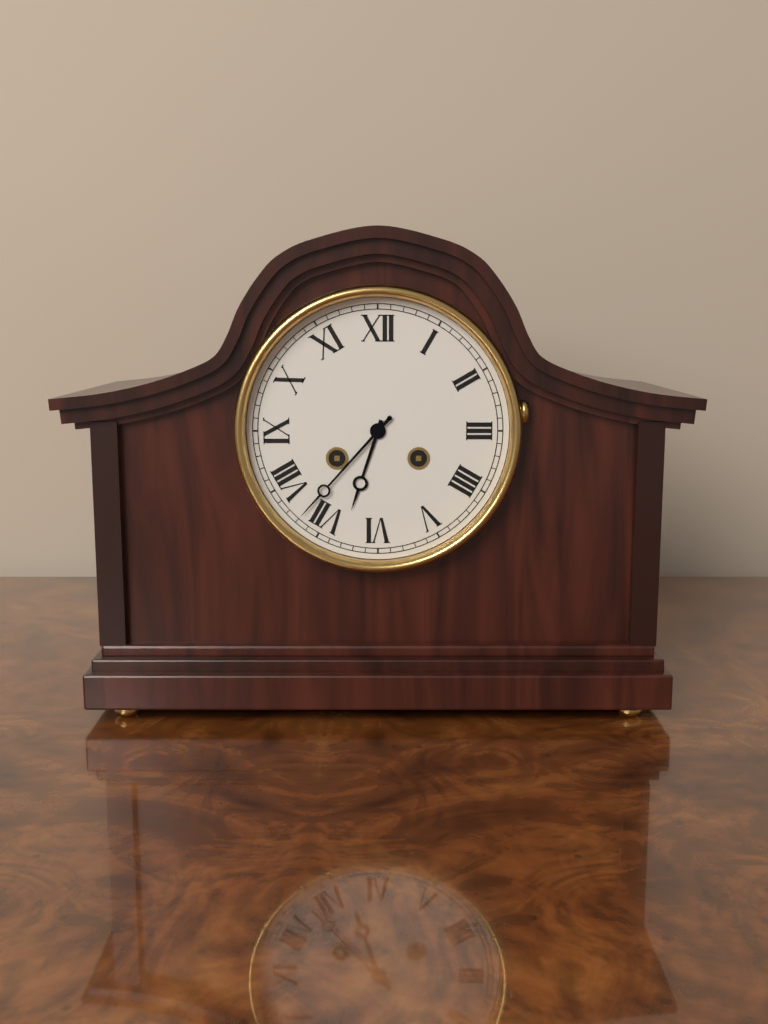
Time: h=6 m=37
